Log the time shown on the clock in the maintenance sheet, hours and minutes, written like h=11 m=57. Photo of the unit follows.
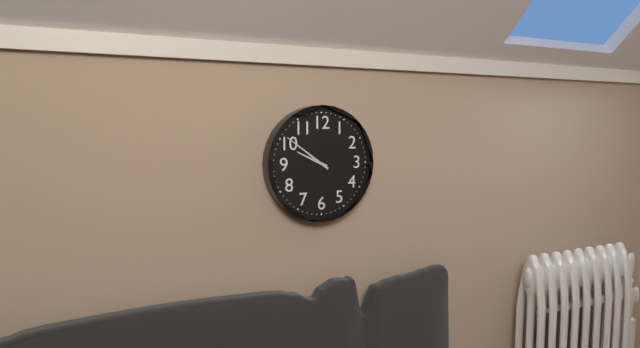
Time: h=9 m=51
